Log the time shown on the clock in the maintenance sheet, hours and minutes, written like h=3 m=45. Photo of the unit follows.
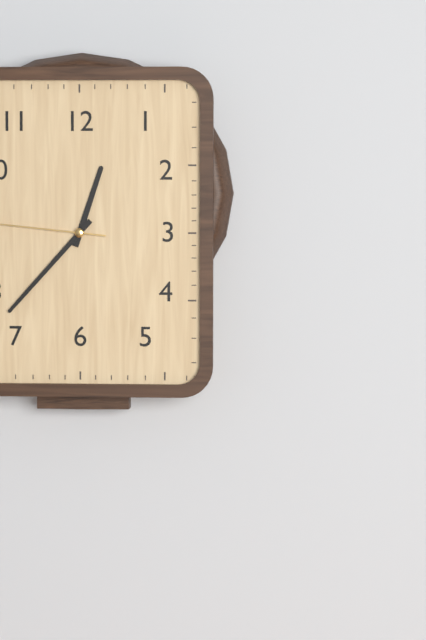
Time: h=12 m=37
